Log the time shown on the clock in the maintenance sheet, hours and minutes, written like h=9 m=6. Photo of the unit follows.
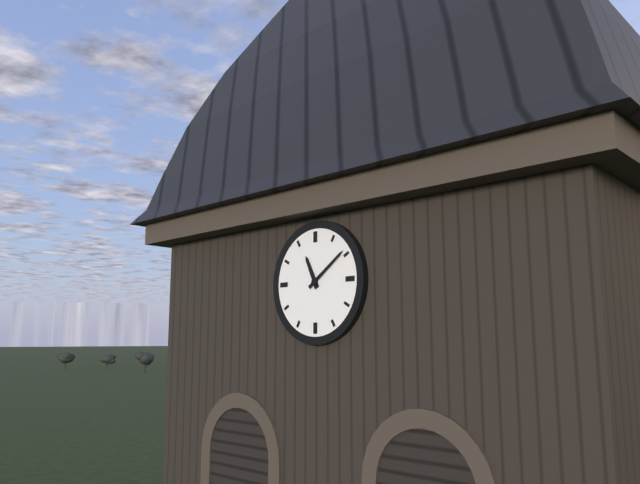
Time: h=11 m=9
